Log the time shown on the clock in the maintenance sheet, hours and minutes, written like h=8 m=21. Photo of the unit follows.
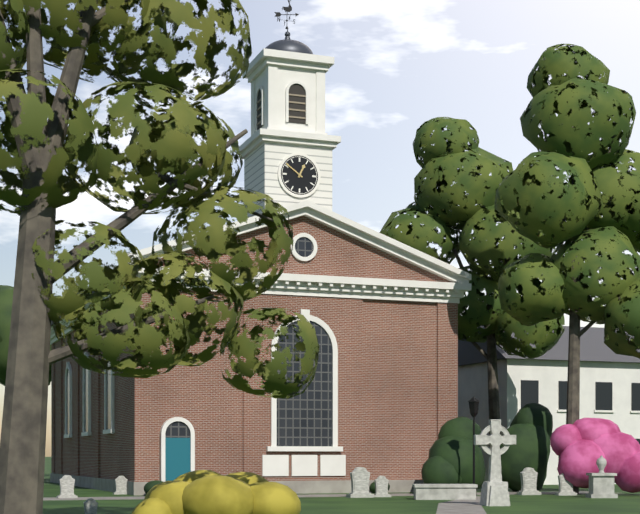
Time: h=12 m=51
